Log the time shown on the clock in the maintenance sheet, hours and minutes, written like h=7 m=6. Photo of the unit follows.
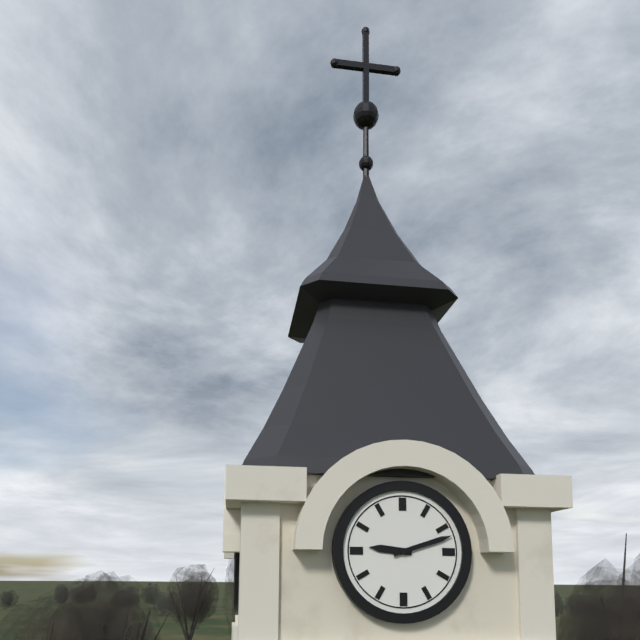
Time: h=9 m=12
